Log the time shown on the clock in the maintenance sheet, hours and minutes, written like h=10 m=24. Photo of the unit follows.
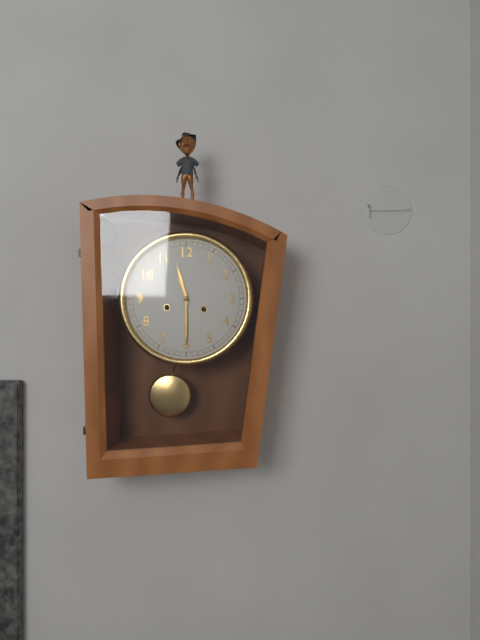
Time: h=11 m=30
